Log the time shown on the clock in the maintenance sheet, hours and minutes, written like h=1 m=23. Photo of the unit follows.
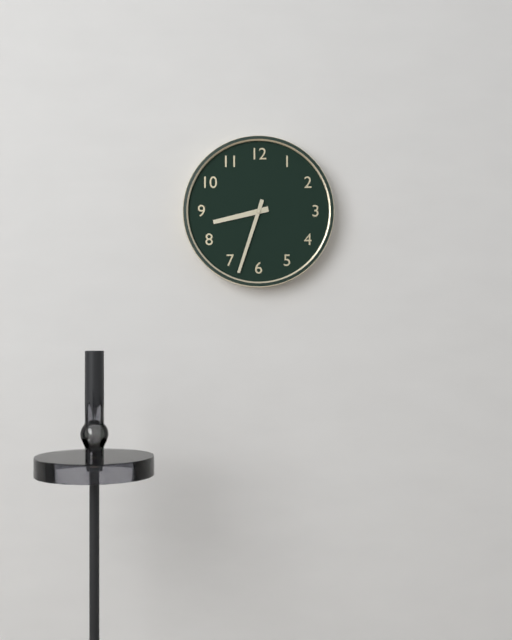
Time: h=8 m=33
